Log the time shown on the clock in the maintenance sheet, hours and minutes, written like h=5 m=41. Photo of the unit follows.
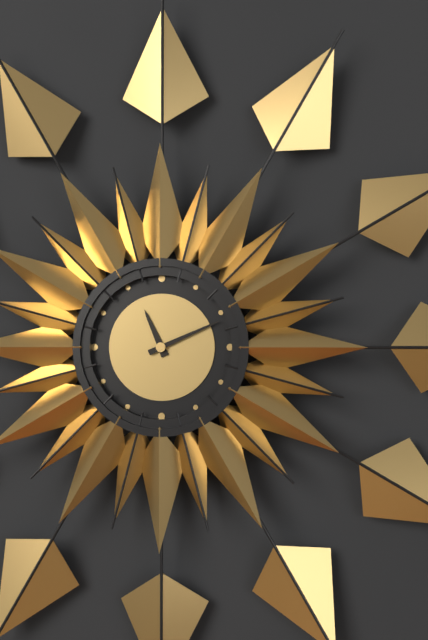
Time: h=11 m=11
